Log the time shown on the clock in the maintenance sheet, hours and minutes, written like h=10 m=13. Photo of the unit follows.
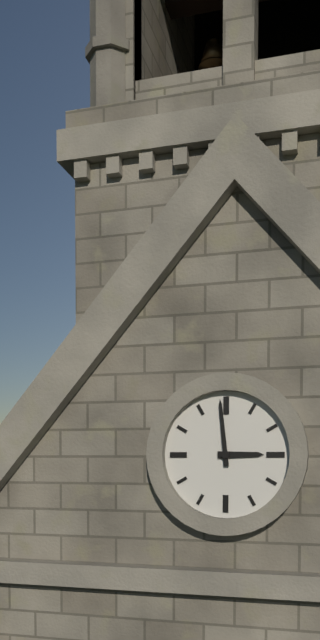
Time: h=2 m=59
